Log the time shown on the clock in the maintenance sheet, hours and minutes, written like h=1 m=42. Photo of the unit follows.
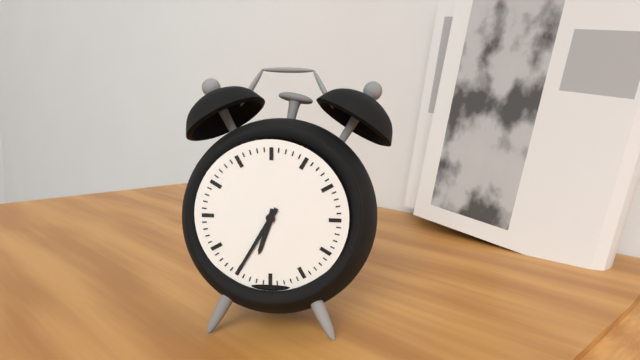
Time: h=6 m=35
